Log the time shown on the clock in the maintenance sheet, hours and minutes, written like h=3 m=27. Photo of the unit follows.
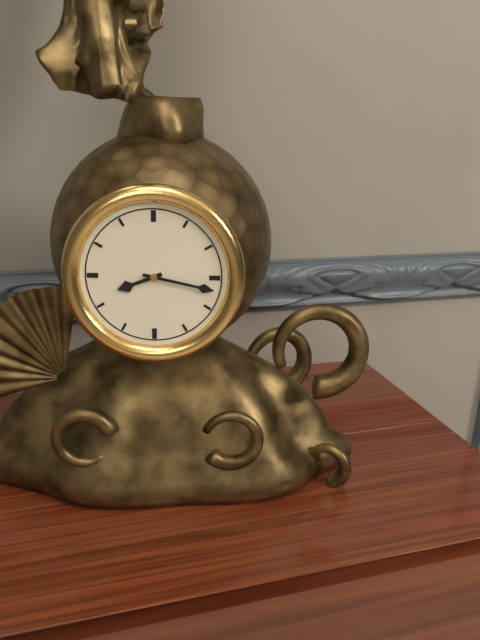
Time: h=8 m=17
